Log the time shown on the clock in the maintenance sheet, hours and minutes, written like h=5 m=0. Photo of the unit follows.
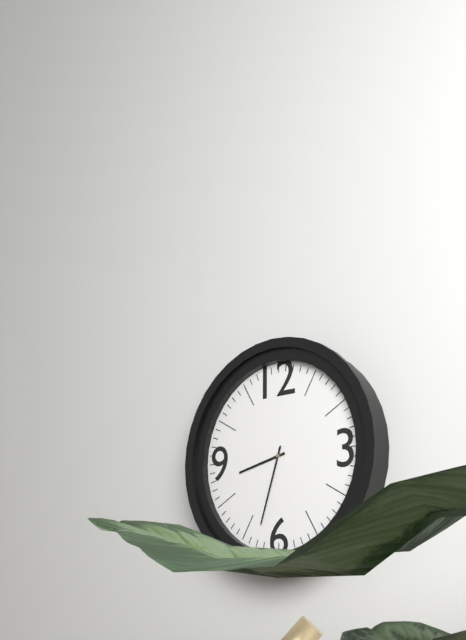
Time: h=8 m=33
